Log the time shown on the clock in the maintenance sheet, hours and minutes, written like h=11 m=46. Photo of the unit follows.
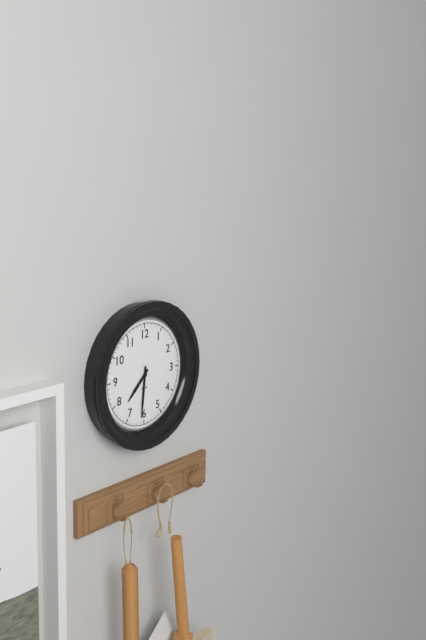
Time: h=7 m=31
